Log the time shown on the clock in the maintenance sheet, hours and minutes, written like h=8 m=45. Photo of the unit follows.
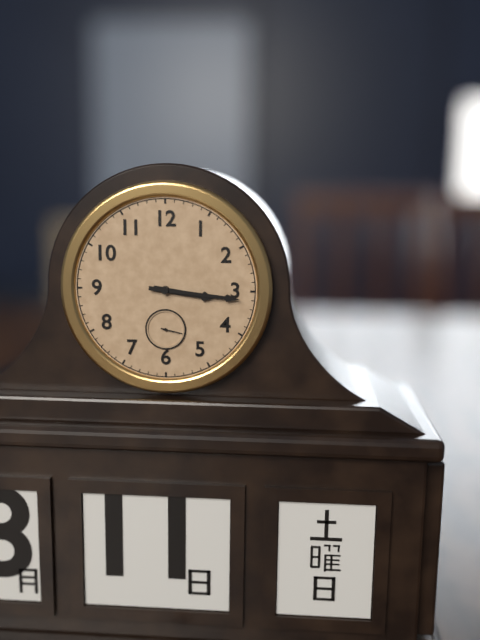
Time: h=3 m=16
